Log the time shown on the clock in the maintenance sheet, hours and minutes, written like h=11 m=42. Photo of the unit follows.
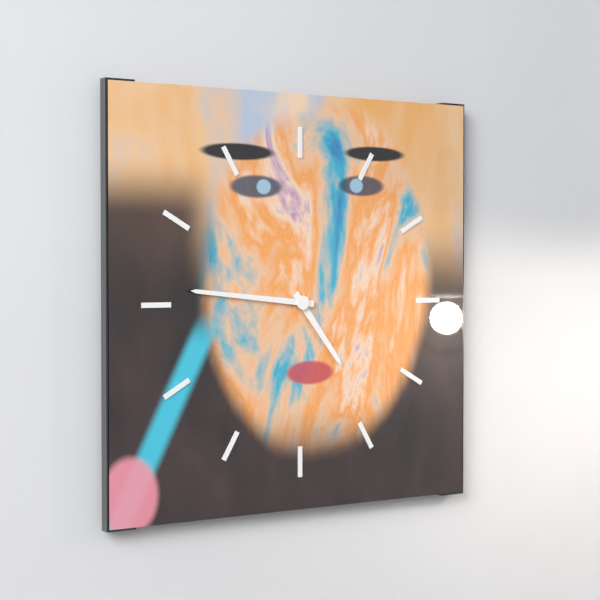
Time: h=4 m=46
